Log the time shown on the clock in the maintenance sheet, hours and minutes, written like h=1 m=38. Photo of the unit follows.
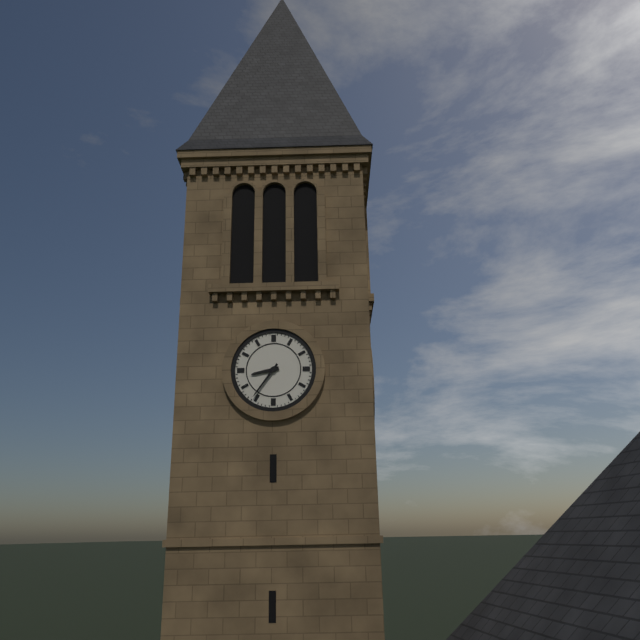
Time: h=8 m=36
